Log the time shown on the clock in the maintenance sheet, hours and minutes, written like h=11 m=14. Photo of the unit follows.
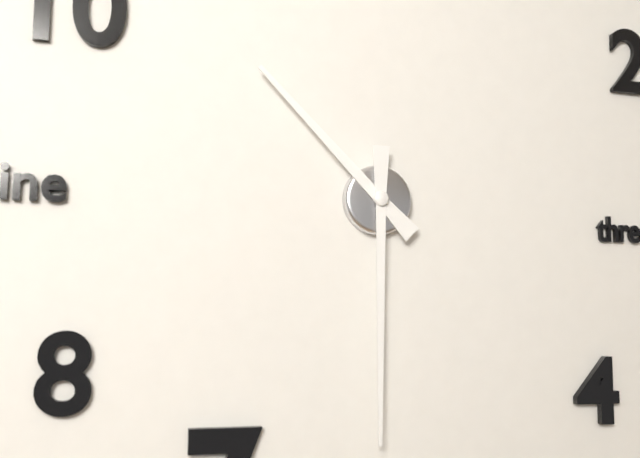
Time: h=10 m=30
